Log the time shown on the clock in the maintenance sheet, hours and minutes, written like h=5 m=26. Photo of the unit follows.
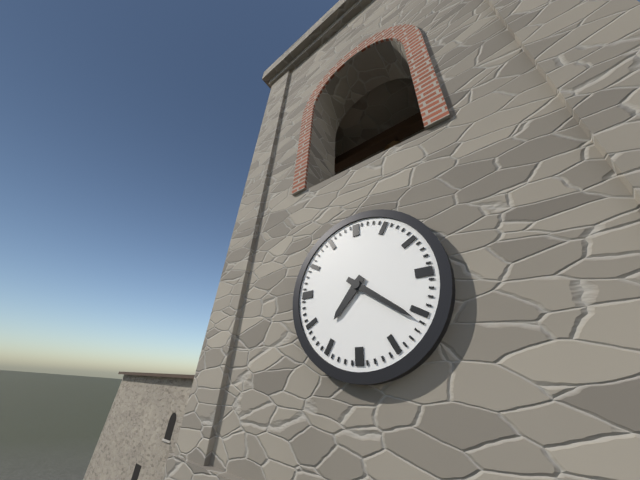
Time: h=7 m=21
